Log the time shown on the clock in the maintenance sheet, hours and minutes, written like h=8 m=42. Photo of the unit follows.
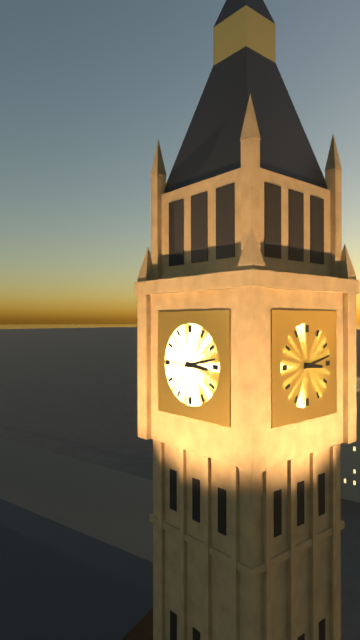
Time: h=3 m=13
